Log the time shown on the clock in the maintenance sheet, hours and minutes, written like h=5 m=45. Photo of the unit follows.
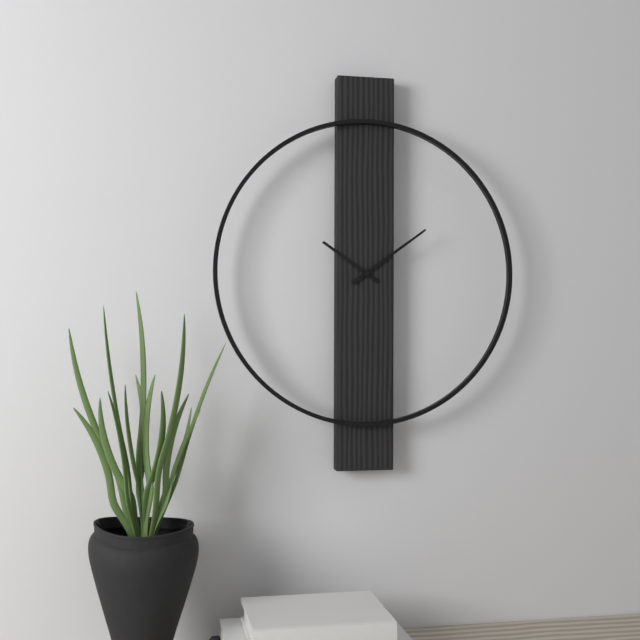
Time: h=10 m=9
